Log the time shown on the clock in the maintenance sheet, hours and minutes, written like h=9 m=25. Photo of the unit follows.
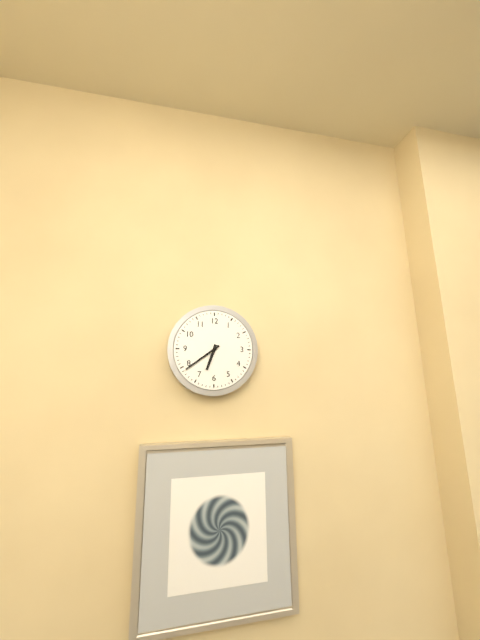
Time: h=6 m=39
